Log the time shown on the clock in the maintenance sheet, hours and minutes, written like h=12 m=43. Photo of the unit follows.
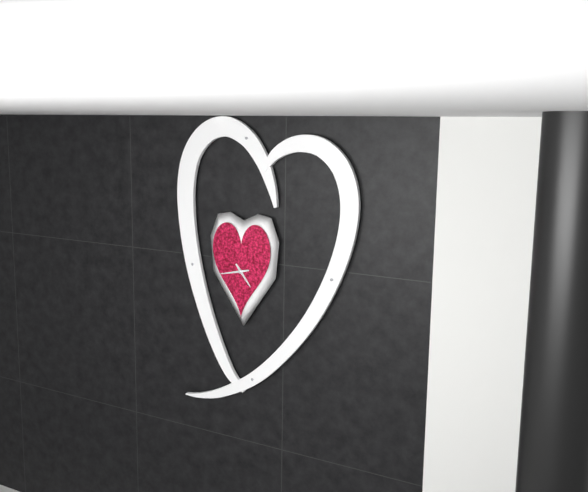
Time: h=4 m=43
